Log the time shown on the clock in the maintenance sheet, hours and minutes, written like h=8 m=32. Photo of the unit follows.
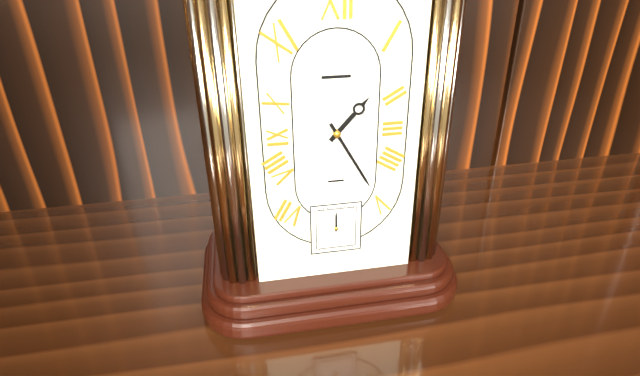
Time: h=1 m=25
